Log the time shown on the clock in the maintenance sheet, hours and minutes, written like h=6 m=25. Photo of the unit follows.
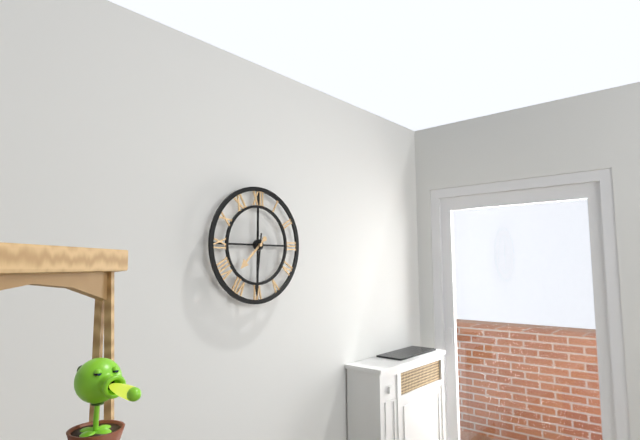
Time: h=7 m=31
